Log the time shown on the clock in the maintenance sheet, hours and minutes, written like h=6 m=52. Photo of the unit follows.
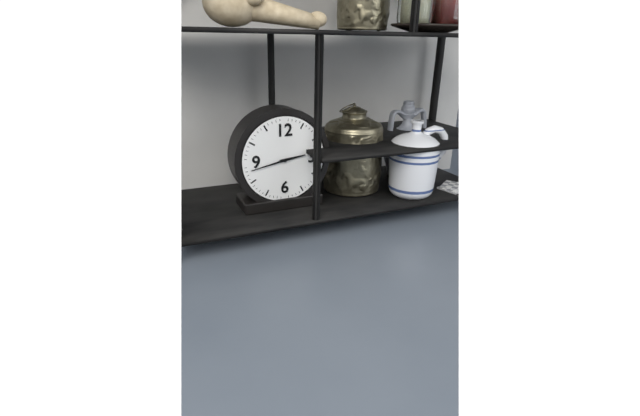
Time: h=2 m=43
